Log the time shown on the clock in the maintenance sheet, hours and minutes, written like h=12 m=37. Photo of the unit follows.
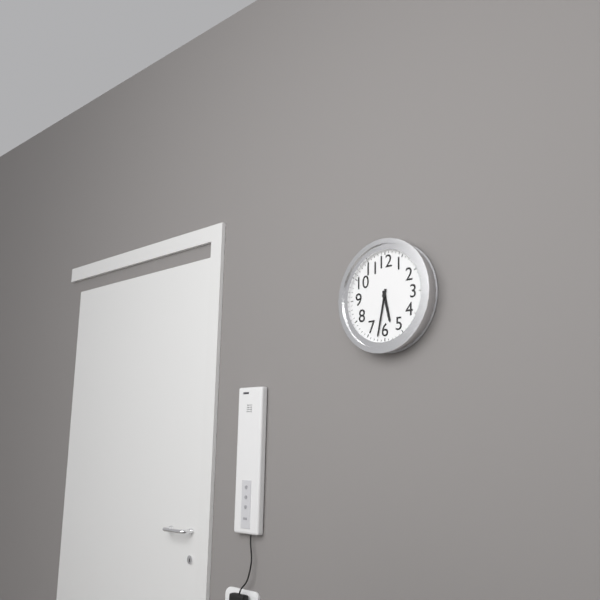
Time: h=5 m=32
